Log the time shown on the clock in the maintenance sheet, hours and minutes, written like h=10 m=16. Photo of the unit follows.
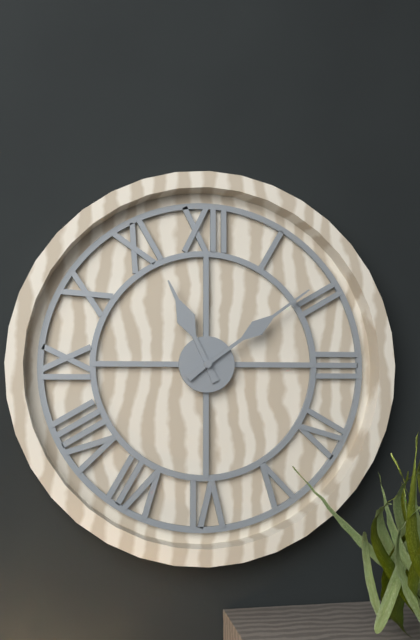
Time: h=11 m=9
